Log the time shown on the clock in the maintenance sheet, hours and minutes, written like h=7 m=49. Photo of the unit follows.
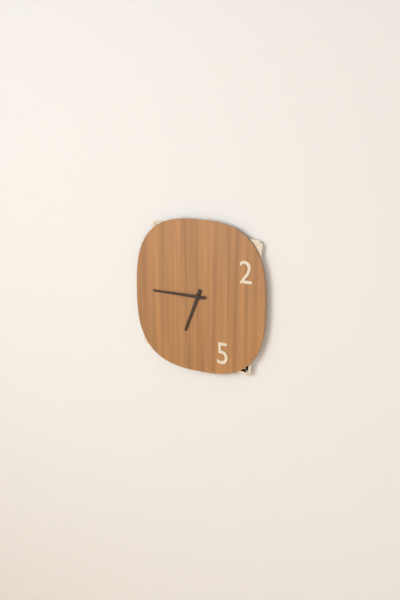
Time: h=6 m=45
